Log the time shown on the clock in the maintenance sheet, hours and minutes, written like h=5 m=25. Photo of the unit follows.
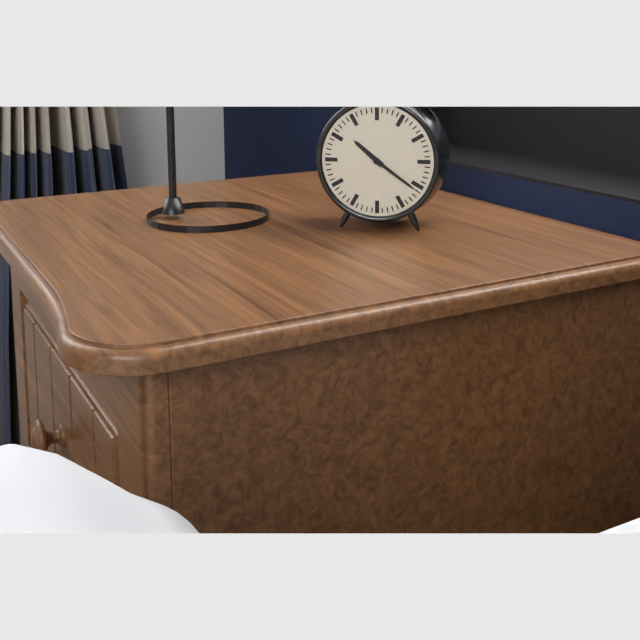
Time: h=10 m=21
